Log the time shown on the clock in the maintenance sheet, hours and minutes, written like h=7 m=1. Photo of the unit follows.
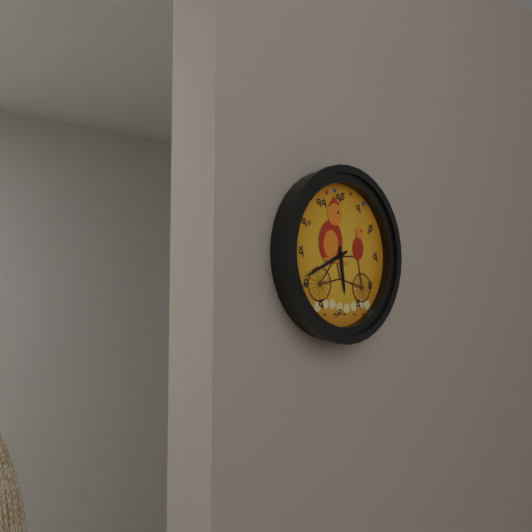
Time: h=5 m=41
